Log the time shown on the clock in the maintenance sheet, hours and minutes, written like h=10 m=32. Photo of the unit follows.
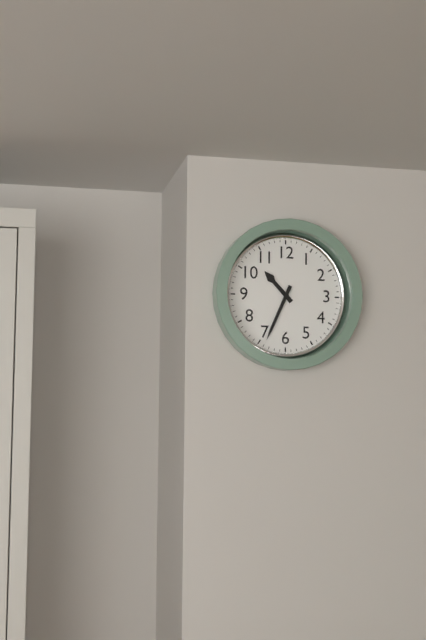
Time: h=10 m=34
